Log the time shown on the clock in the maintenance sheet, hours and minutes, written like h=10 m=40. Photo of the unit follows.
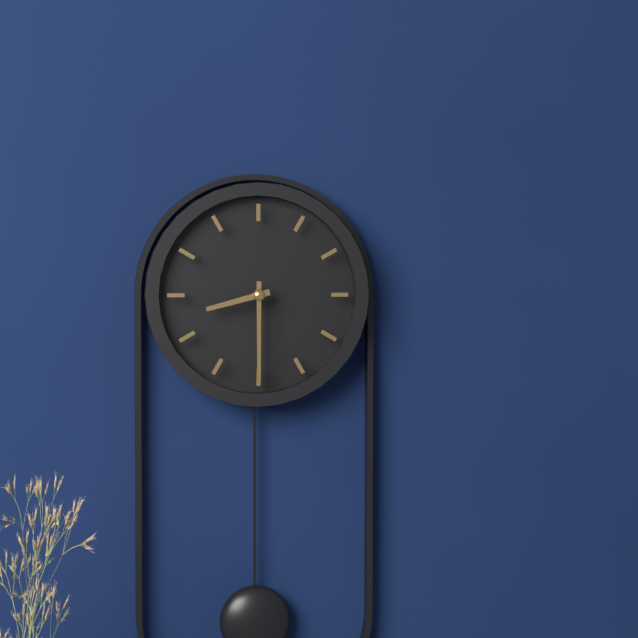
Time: h=8 m=30
